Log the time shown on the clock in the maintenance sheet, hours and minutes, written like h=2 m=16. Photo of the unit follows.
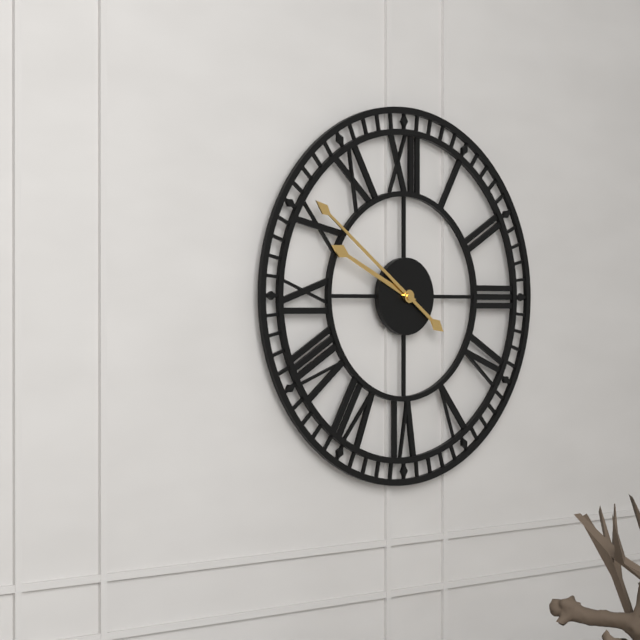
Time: h=9 m=51
